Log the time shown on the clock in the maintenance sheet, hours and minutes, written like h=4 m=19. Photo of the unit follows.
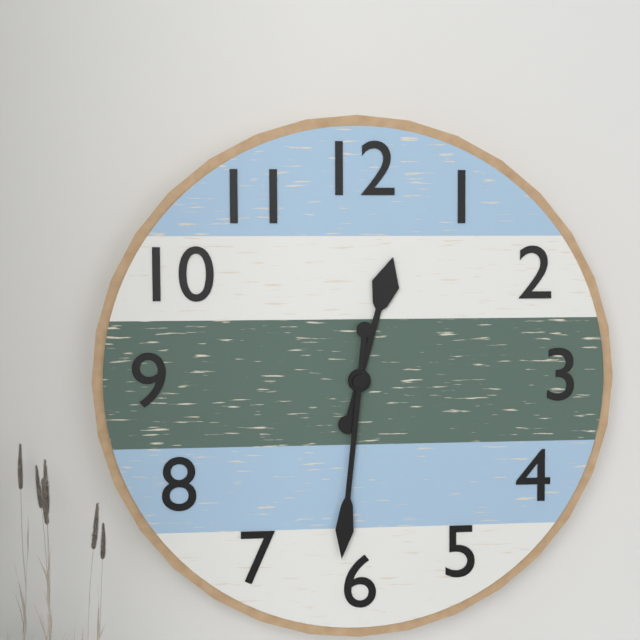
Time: h=12 m=31
